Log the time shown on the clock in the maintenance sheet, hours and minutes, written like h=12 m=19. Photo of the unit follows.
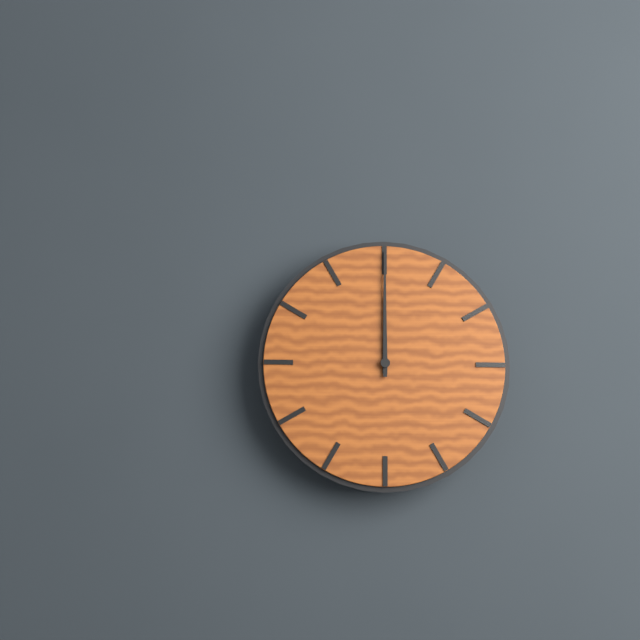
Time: h=12 m=0
